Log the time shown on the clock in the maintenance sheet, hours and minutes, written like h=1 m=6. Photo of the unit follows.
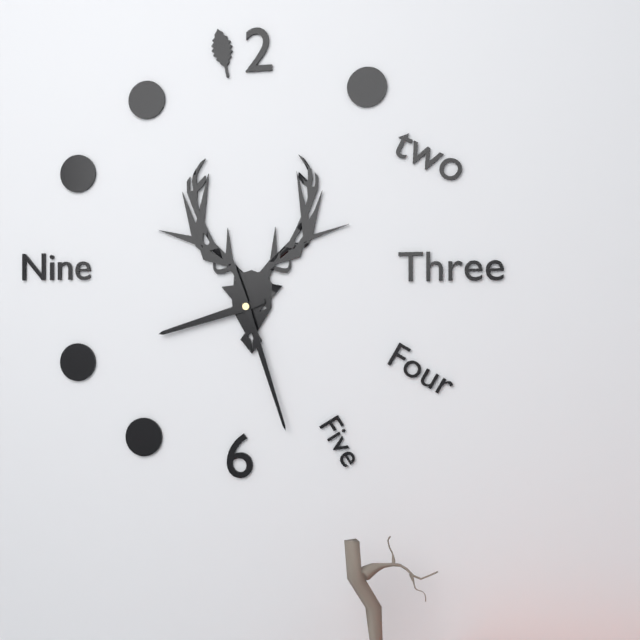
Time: h=8 m=27
